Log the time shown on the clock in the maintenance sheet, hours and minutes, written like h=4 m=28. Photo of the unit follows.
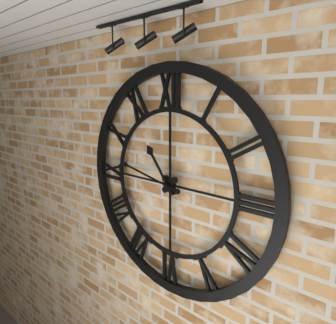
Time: h=10 m=47
